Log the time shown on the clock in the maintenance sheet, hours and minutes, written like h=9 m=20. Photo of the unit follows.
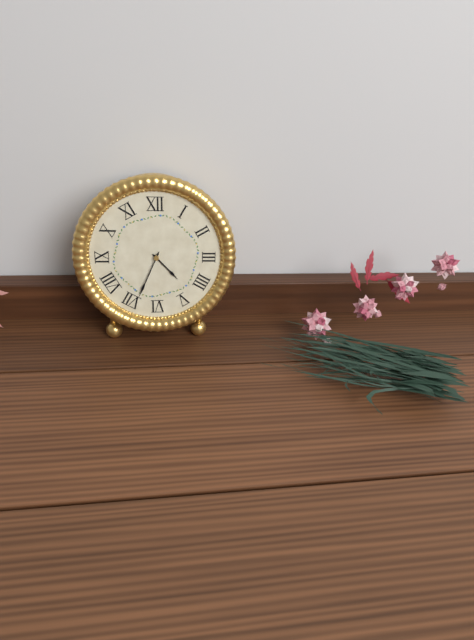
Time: h=4 m=34
